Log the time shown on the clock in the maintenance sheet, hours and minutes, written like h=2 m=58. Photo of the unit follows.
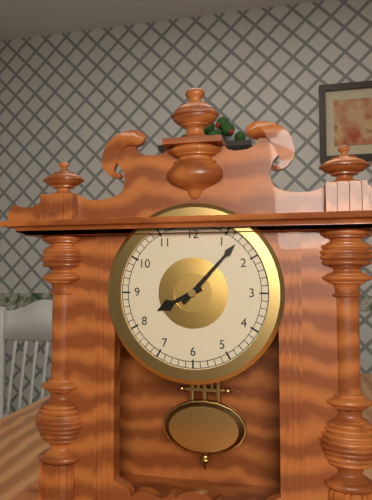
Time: h=8 m=7
